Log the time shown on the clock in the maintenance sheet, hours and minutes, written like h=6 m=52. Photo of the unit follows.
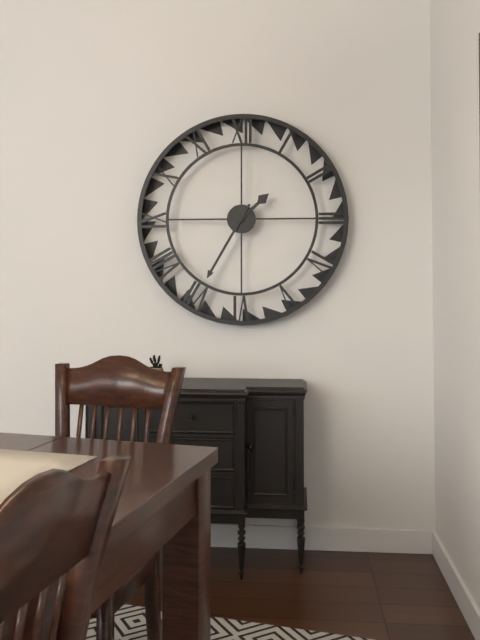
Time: h=1 m=35
